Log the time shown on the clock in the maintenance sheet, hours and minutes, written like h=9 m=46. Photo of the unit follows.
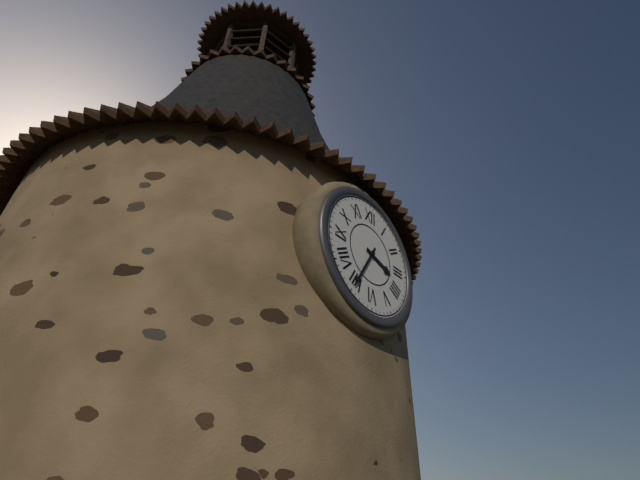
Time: h=3 m=35
